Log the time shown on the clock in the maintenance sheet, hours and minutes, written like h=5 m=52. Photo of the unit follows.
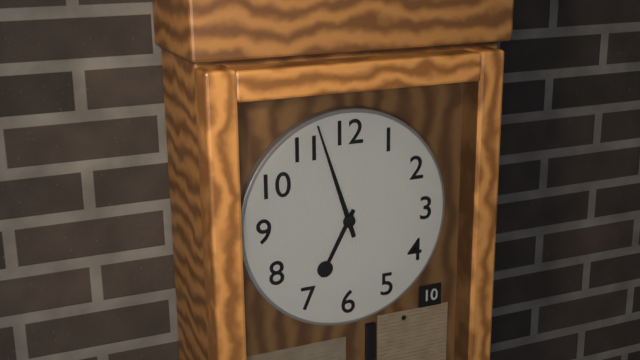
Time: h=6 m=57
